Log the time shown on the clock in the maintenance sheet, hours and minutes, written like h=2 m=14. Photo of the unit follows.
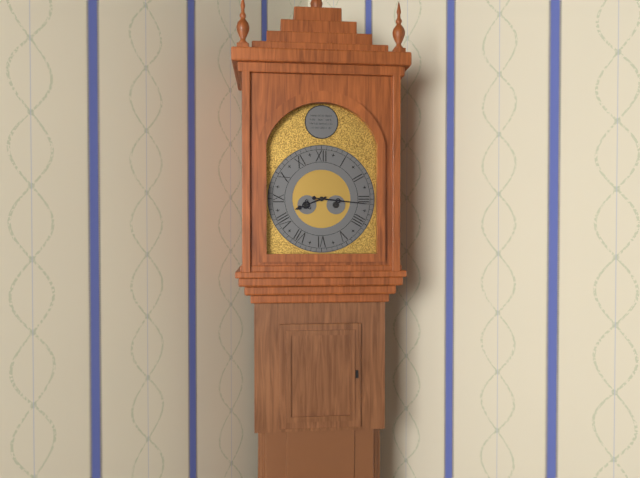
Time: h=8 m=16
